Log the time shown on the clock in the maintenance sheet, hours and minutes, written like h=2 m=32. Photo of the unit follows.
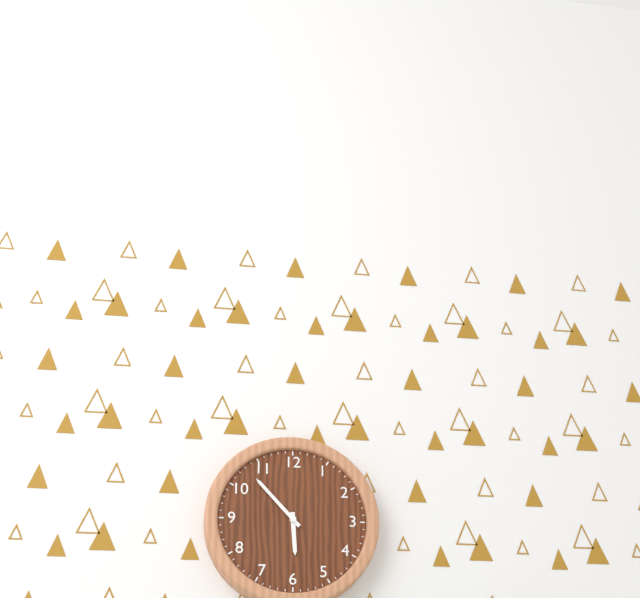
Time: h=5 m=53
